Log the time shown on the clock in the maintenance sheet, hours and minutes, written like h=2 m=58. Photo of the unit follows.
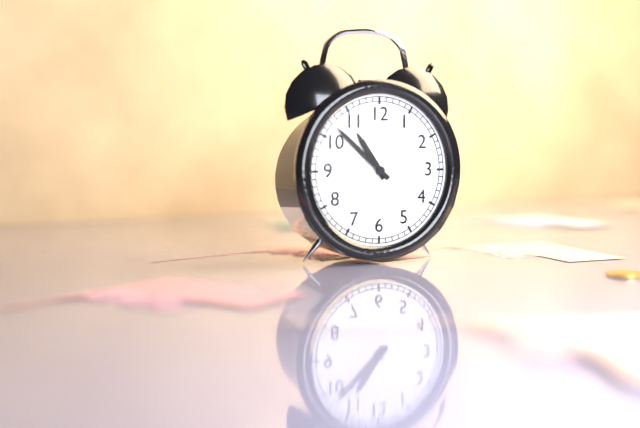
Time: h=10 m=52
